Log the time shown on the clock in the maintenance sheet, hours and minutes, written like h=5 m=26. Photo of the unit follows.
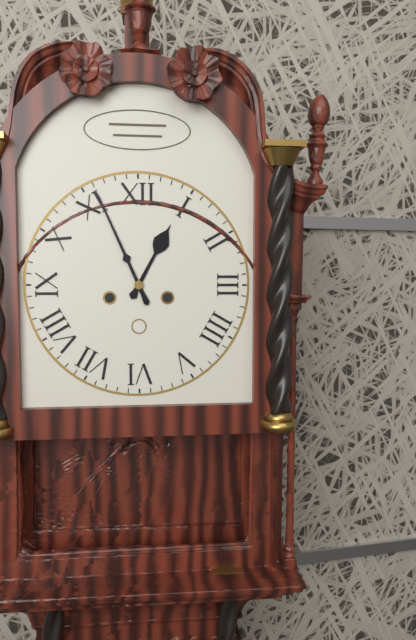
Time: h=12 m=56
